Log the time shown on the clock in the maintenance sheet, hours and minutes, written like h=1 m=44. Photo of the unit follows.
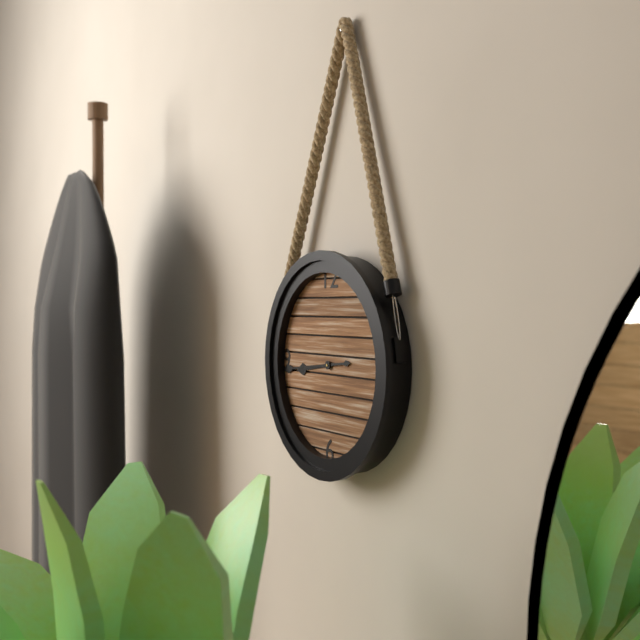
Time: h=8 m=44
